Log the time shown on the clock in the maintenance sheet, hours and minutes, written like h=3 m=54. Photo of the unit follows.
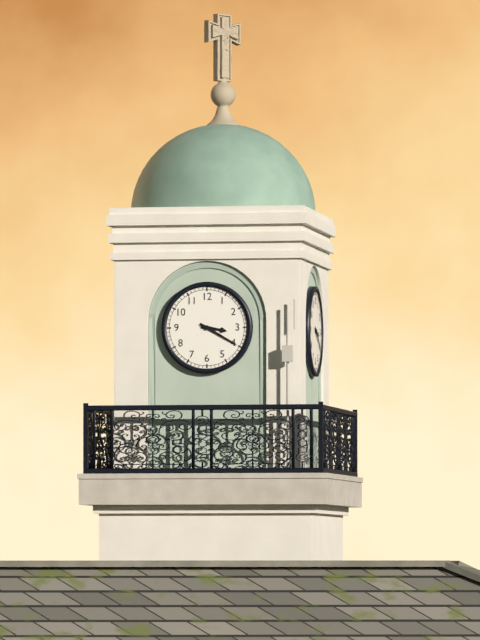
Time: h=3 m=20
